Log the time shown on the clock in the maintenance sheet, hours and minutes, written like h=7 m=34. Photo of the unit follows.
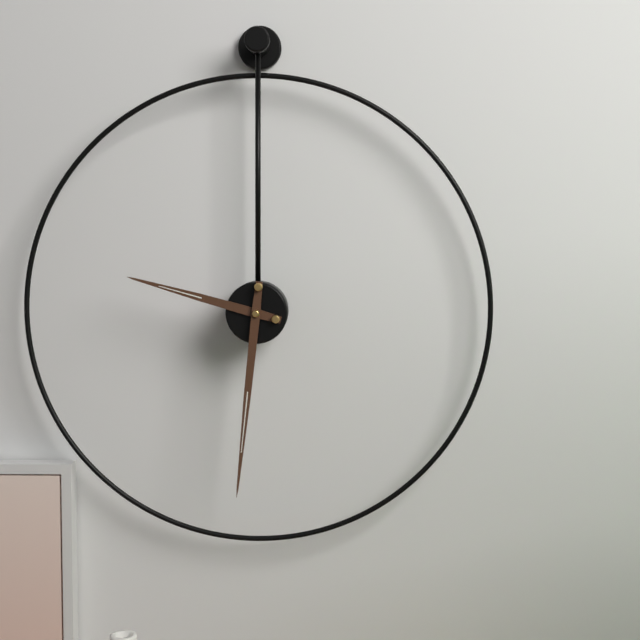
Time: h=9 m=31
